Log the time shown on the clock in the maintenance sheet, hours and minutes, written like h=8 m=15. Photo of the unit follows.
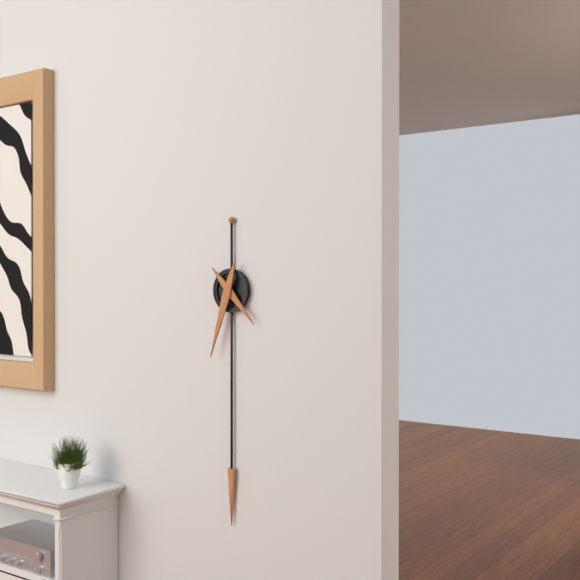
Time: h=4 m=33
